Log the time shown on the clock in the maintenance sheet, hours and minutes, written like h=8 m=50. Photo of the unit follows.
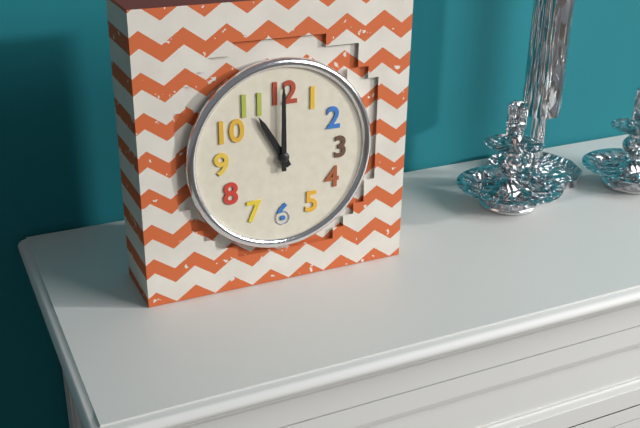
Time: h=11 m=0
